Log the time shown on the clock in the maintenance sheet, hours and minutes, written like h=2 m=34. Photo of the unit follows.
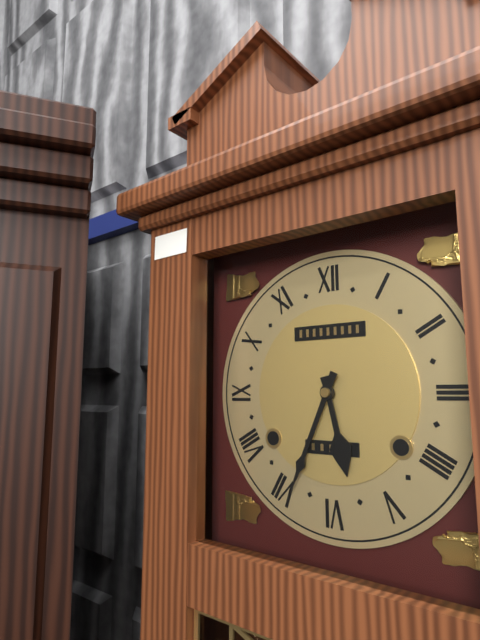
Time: h=5 m=34
